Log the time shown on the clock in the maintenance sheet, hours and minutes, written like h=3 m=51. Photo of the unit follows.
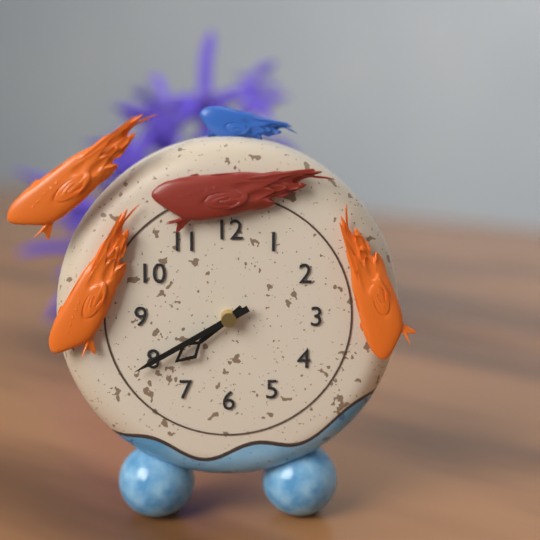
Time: h=7 m=40
